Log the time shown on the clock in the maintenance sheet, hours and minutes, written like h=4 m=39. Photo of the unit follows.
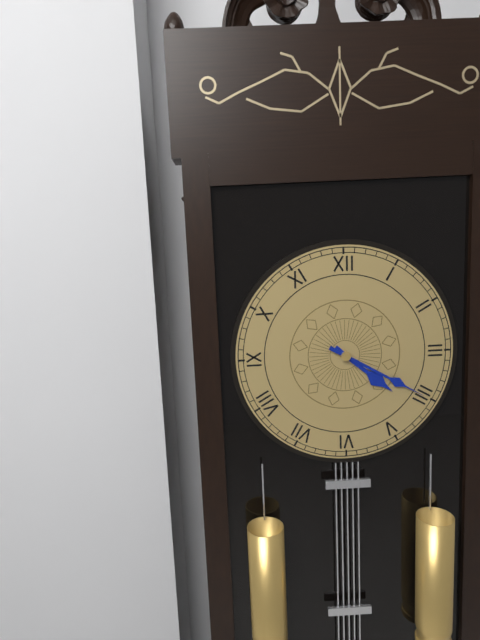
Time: h=4 m=20
